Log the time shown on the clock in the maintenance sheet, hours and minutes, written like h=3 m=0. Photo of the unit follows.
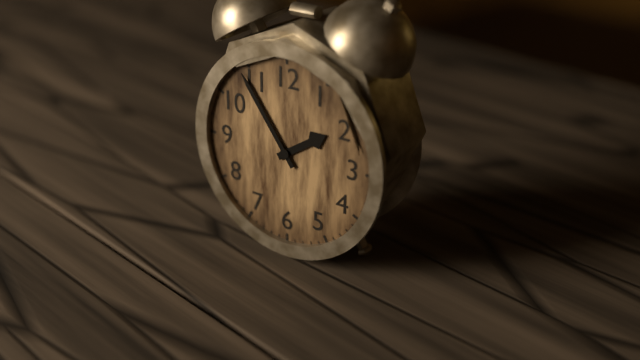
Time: h=1 m=54
